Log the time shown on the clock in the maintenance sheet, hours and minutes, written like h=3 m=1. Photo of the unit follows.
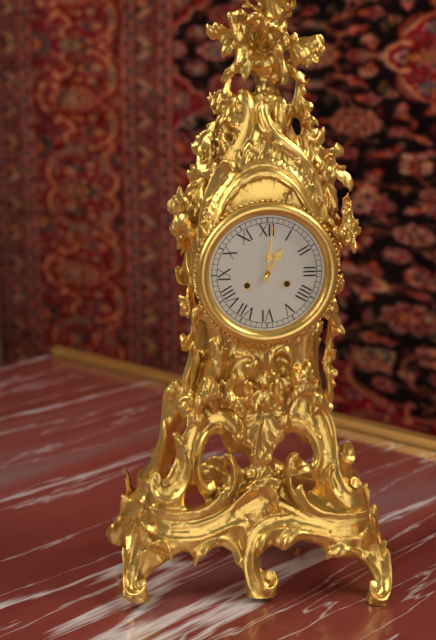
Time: h=1 m=1
